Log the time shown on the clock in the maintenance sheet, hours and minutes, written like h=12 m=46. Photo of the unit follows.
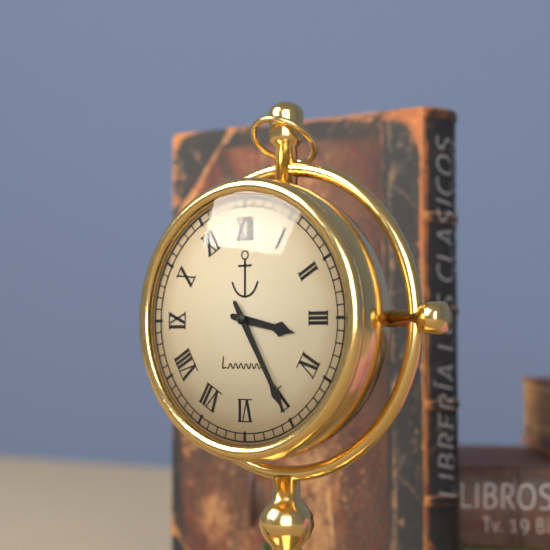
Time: h=3 m=25
